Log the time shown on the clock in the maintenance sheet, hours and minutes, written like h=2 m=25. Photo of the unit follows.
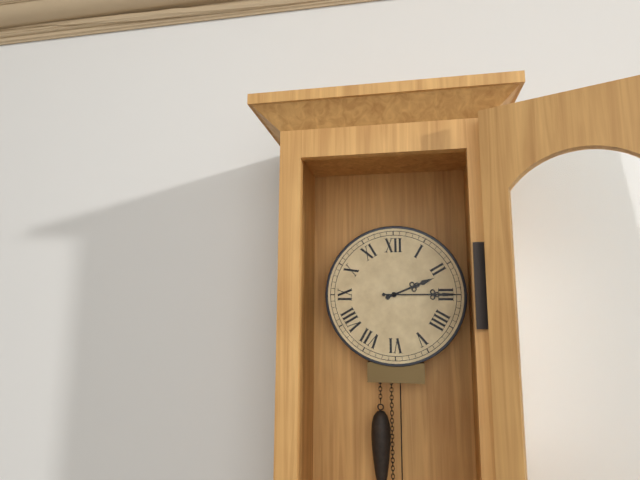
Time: h=2 m=15
